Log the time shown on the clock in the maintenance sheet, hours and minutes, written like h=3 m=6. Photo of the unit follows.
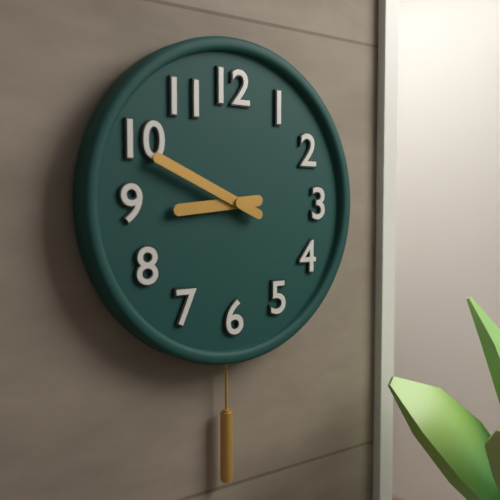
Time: h=8 m=49
